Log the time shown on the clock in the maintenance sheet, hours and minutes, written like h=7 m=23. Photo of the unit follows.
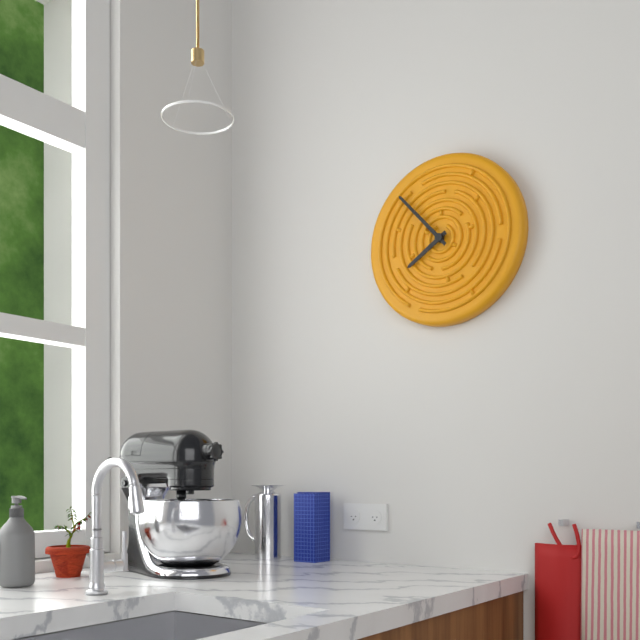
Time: h=7 m=53
